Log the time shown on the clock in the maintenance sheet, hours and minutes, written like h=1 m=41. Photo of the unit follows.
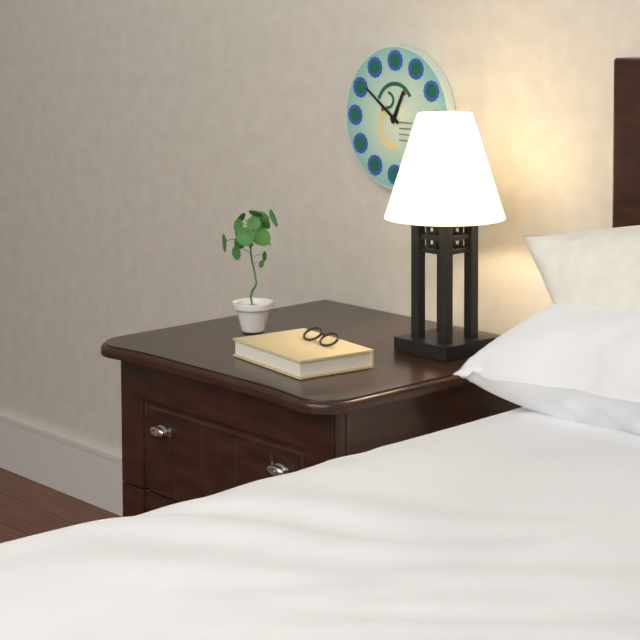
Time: h=12 m=51
